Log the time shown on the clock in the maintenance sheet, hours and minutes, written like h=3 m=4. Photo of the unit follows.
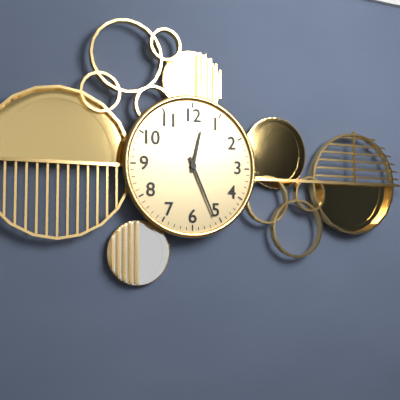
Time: h=12 m=26
